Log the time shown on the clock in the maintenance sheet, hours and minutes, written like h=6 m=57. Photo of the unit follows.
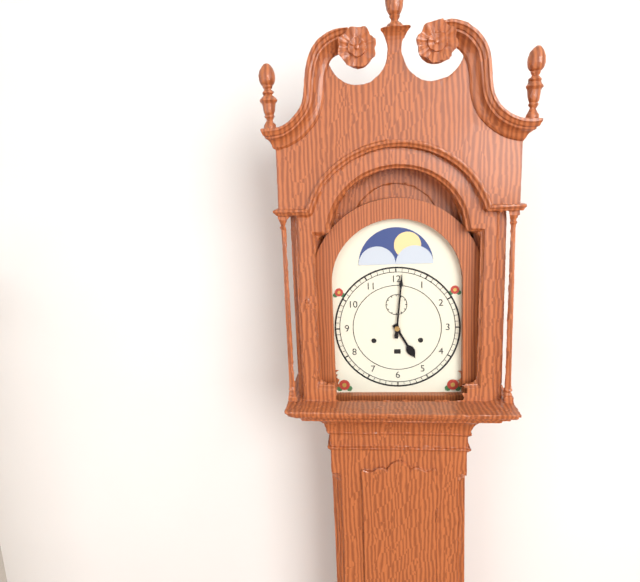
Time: h=5 m=1
